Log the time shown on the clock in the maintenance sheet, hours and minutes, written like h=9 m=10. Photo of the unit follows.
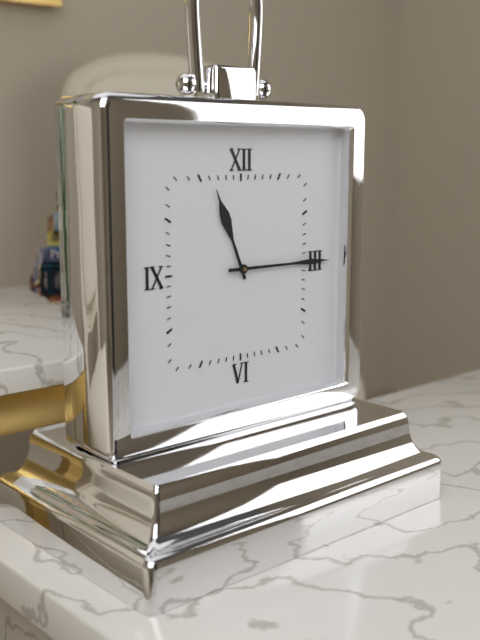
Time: h=11 m=15
